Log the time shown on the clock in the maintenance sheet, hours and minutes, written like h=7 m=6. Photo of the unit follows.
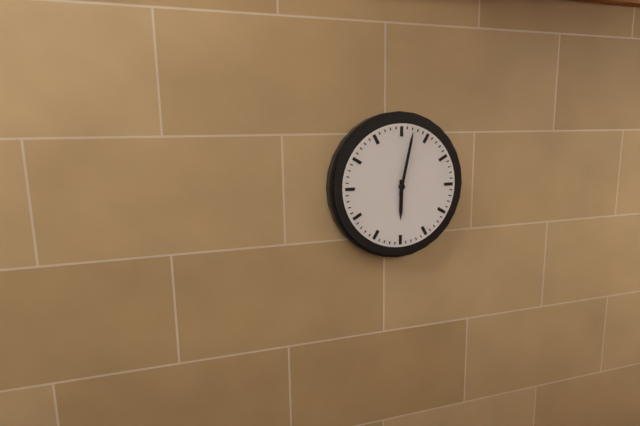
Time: h=6 m=2
